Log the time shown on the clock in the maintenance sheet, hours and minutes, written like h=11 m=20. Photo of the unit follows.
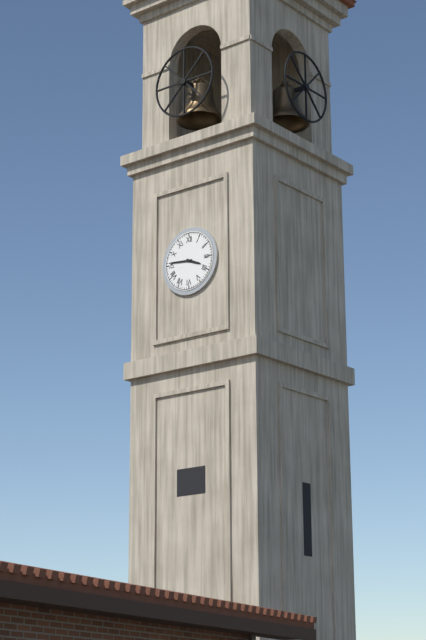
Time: h=3 m=46
